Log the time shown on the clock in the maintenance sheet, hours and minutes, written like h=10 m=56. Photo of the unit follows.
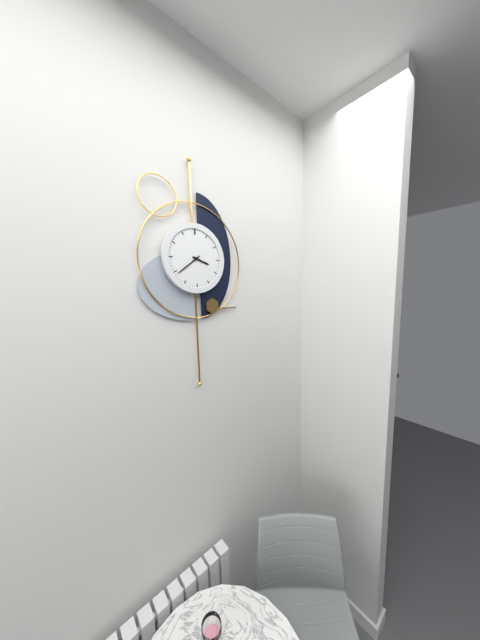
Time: h=3 m=39
